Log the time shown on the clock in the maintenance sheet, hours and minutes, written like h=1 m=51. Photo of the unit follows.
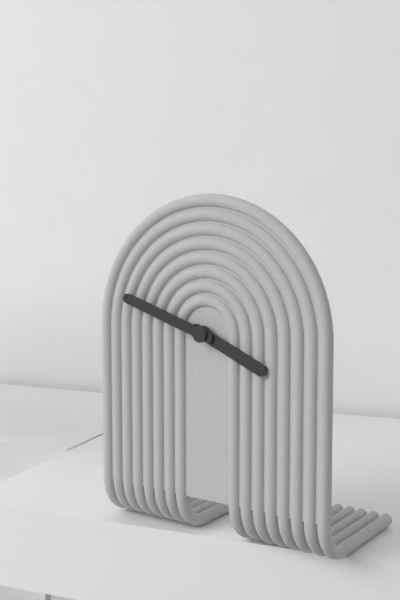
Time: h=3 m=48
